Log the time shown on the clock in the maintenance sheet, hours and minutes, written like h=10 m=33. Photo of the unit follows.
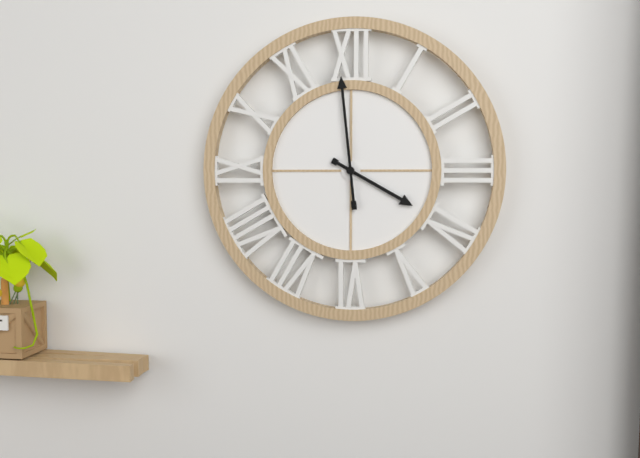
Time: h=3 m=59
